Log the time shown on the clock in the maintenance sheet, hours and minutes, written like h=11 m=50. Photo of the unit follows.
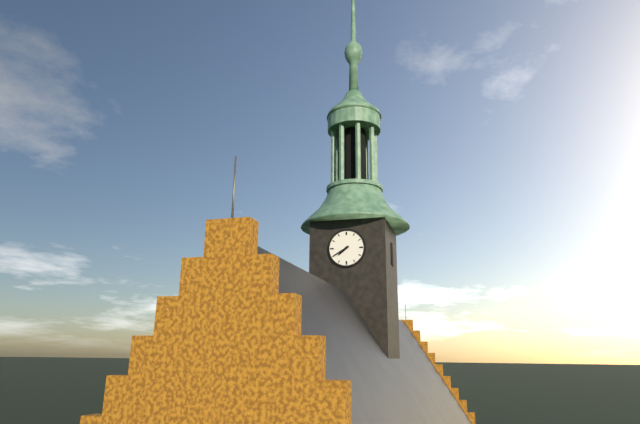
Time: h=7 m=40
